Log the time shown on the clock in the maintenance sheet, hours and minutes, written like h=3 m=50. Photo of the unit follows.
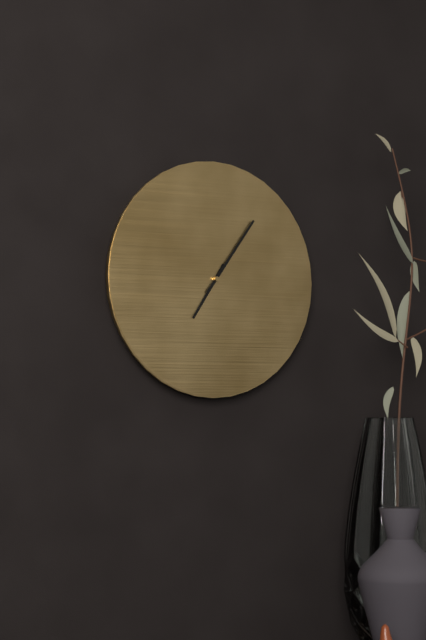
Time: h=7 m=6
